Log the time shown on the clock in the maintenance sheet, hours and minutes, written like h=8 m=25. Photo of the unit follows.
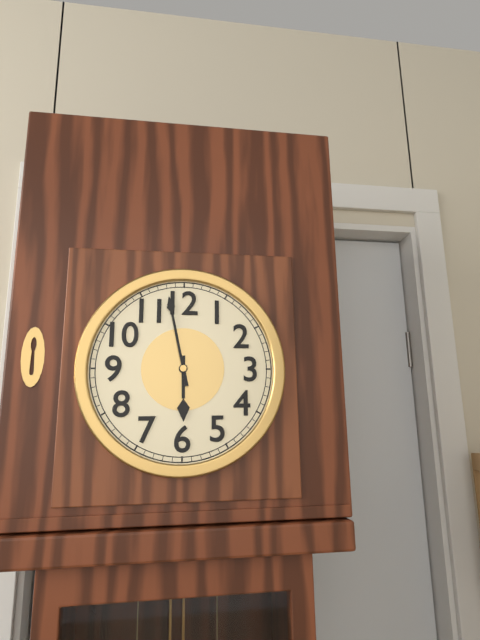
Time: h=5 m=58
